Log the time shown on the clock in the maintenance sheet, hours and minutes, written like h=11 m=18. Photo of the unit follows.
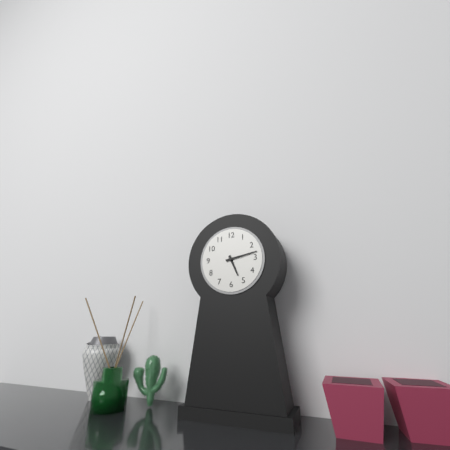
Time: h=5 m=13
